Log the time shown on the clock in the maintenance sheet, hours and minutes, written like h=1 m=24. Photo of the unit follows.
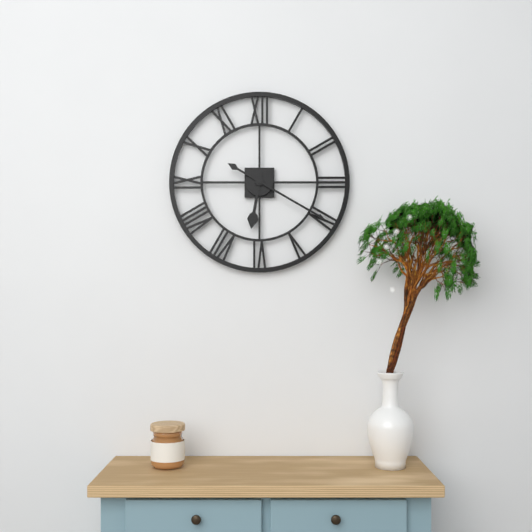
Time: h=6 m=20
